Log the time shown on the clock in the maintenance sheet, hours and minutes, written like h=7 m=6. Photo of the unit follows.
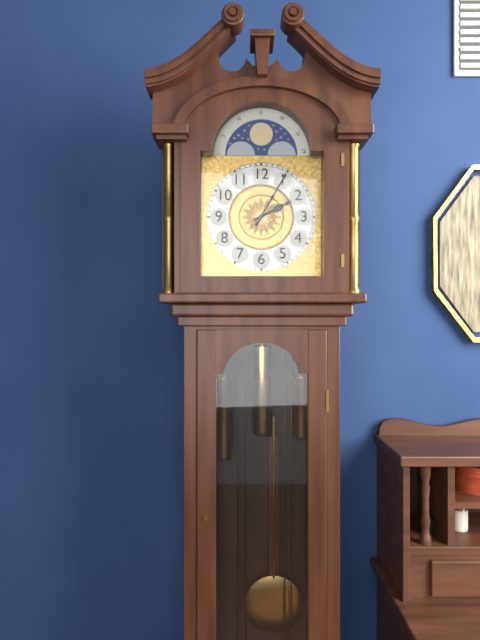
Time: h=2 m=5
